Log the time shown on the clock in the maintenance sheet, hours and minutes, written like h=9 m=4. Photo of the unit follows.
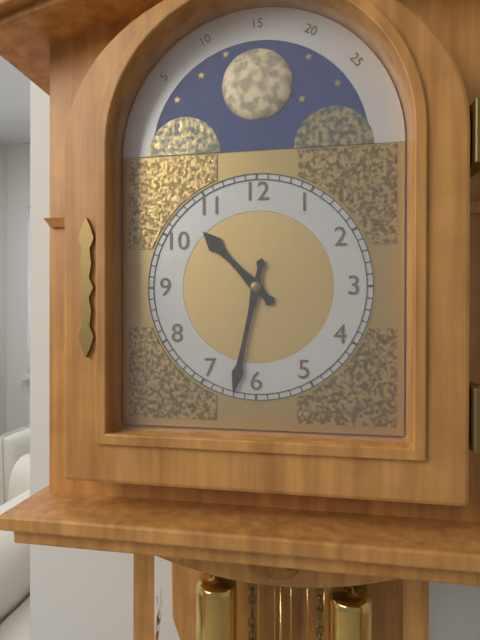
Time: h=10 m=32
